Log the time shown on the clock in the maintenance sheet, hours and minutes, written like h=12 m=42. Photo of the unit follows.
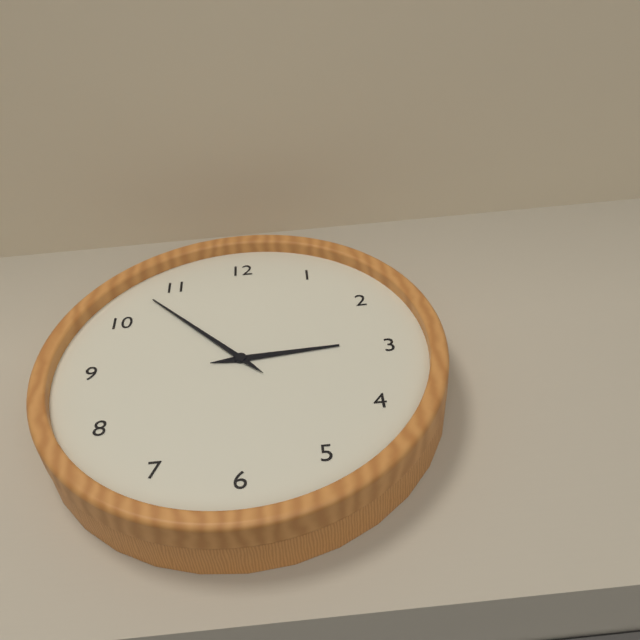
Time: h=2 m=53
